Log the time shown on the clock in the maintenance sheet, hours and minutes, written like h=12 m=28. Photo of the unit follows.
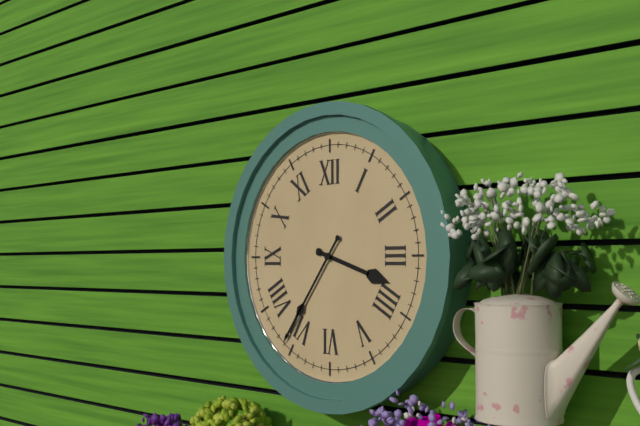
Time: h=3 m=36
